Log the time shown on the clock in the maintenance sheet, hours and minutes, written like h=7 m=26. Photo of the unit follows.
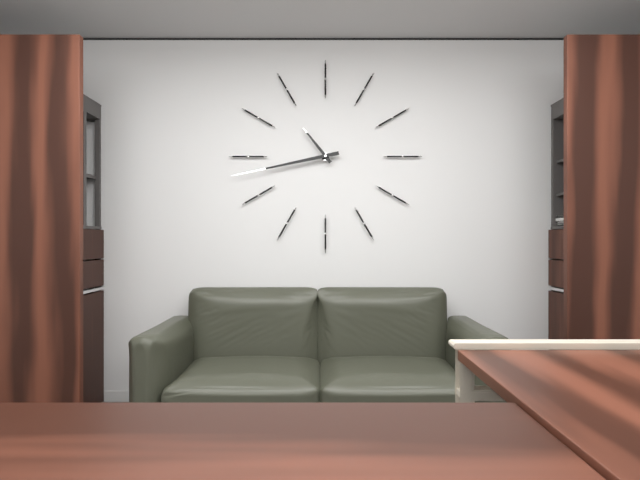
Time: h=10 m=43
